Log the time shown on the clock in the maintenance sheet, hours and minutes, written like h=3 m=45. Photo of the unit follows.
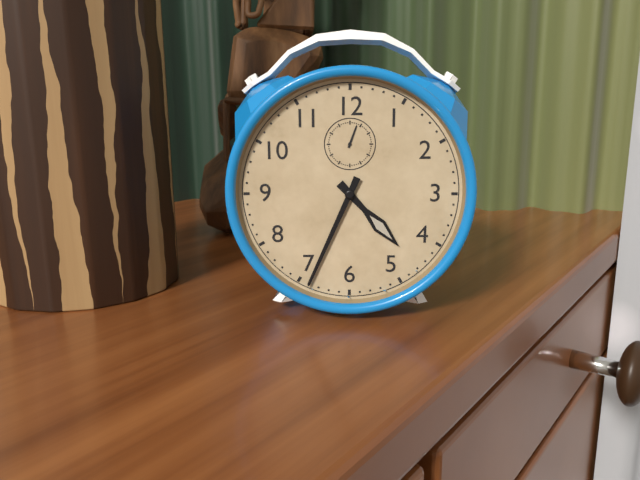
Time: h=4 m=34
